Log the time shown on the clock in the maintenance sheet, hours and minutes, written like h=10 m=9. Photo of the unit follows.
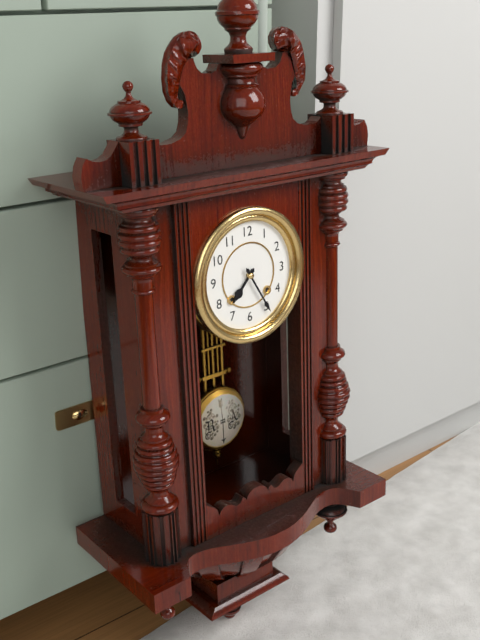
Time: h=7 m=25
